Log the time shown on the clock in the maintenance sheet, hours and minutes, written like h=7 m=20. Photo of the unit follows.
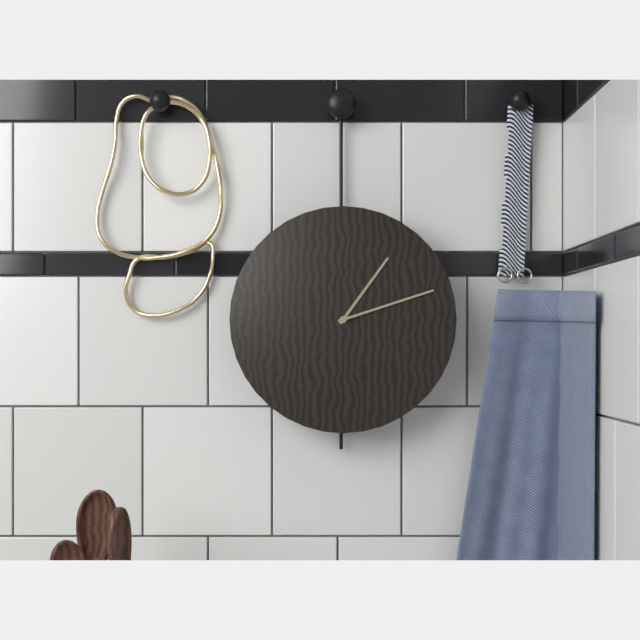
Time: h=1 m=12
